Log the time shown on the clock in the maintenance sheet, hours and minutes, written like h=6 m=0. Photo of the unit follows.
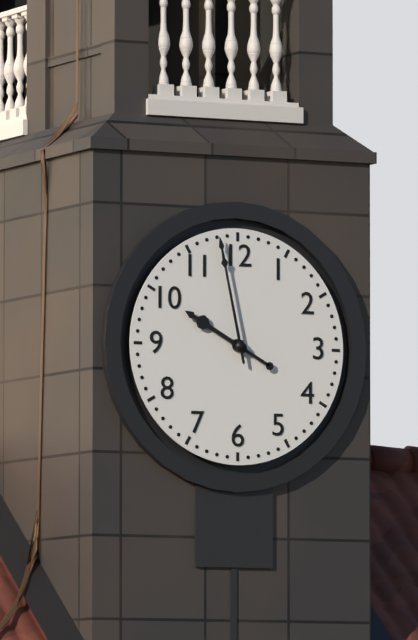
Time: h=9 m=58
